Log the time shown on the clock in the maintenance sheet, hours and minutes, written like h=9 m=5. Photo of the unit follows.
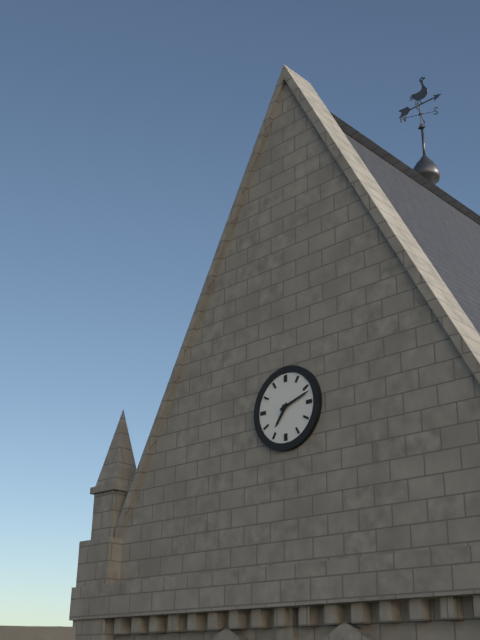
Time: h=7 m=12
